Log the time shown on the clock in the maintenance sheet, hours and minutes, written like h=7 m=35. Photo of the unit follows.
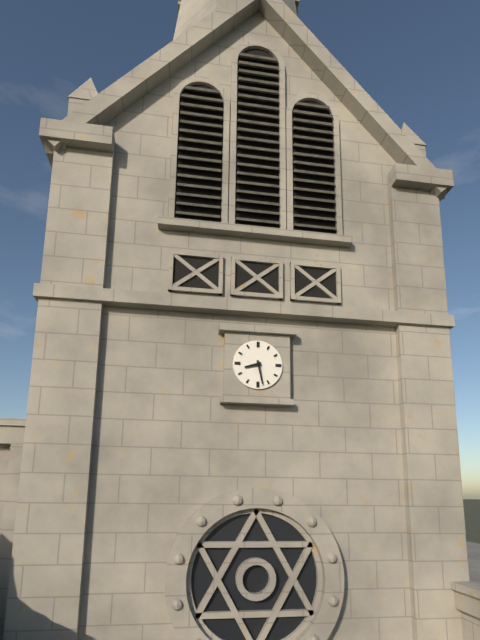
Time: h=8 m=28
